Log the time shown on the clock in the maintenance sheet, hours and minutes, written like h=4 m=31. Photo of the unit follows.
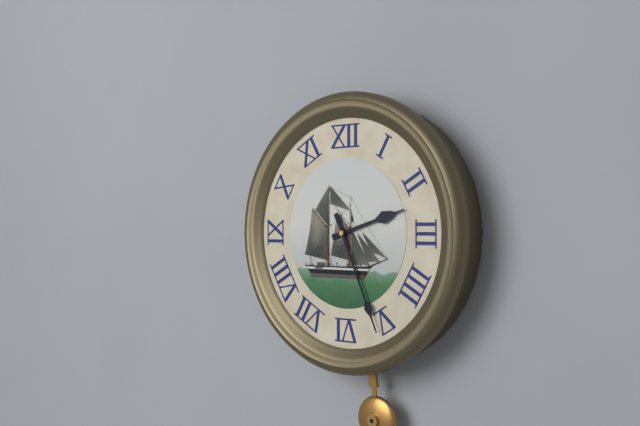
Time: h=2 m=26
